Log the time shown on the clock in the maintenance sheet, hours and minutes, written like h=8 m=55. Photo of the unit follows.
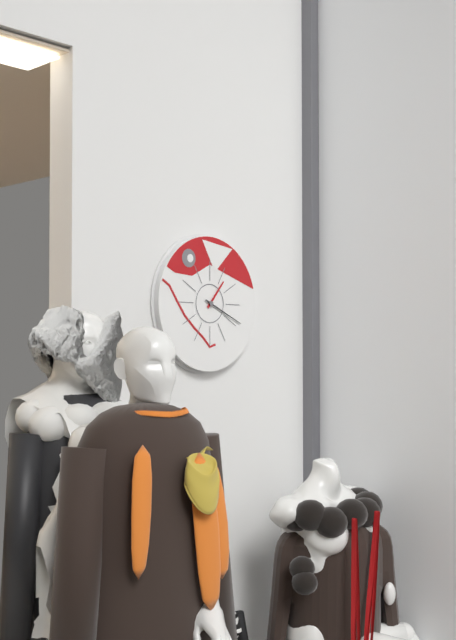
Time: h=1 m=19
